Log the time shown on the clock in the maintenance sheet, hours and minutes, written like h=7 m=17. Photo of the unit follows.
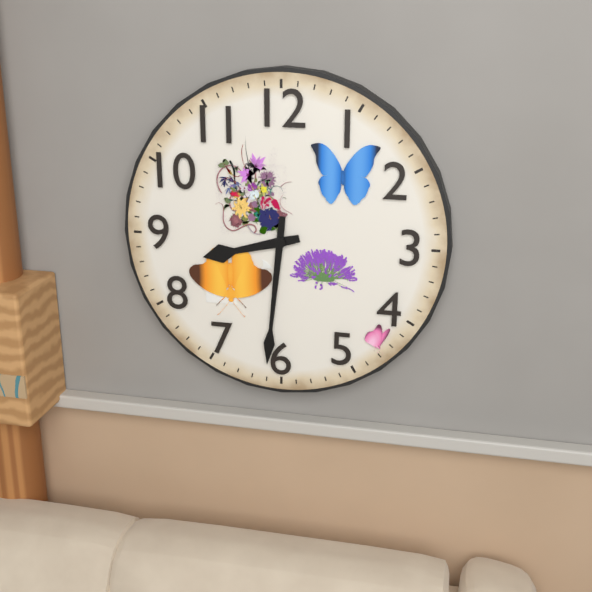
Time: h=8 m=31
